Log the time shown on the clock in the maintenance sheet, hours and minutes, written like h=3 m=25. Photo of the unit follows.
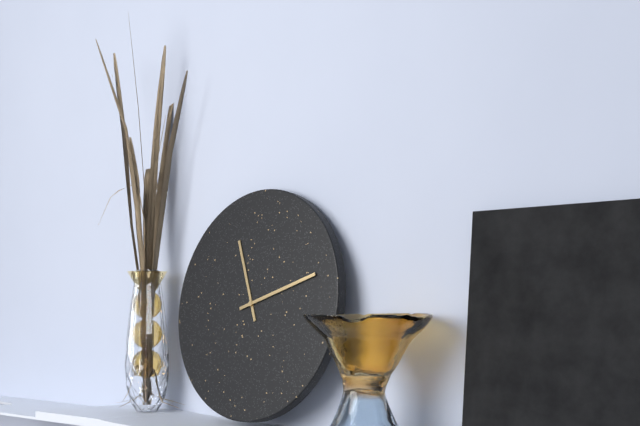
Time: h=11 m=12
